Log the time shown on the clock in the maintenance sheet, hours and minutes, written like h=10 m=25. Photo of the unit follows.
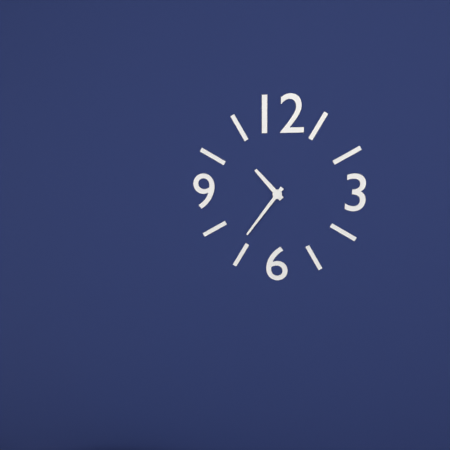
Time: h=10 m=36
